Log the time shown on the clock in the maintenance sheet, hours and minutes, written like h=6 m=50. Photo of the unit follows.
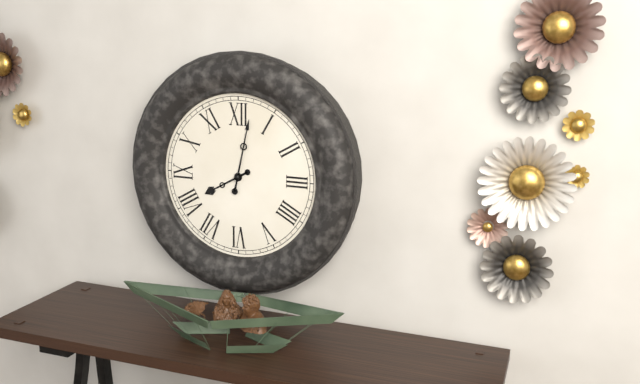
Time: h=8 m=2
